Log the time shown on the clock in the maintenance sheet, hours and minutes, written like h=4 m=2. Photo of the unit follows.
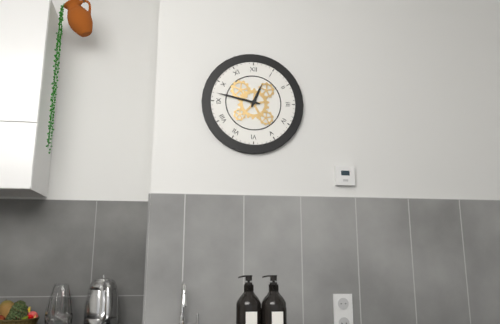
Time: h=12 m=47
